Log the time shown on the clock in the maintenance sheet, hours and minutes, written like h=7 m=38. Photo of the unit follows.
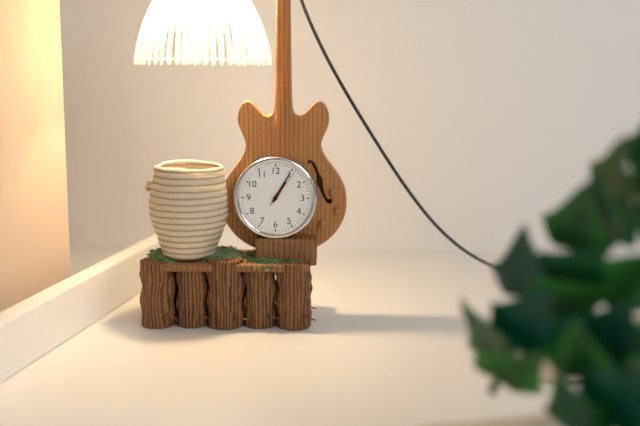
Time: h=1 m=5
